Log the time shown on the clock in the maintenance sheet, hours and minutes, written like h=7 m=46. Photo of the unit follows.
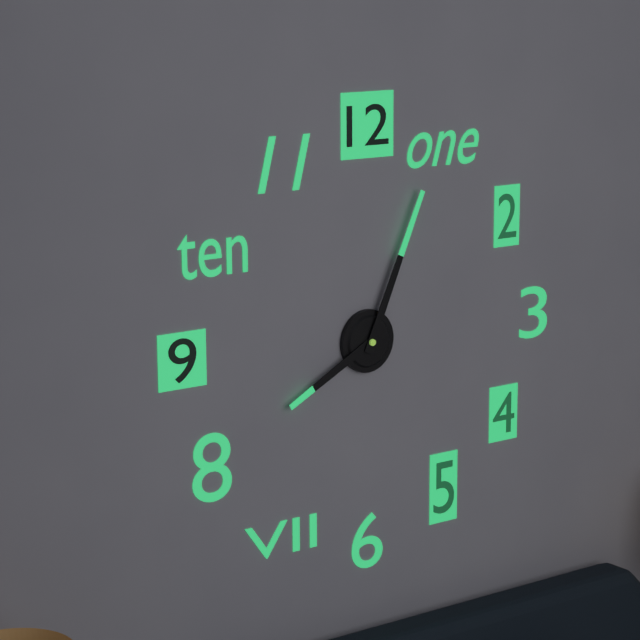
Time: h=8 m=4
